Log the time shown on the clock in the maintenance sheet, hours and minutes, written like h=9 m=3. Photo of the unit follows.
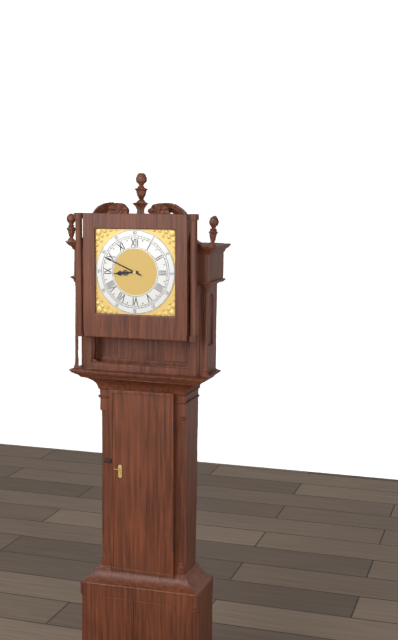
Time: h=8 m=49
